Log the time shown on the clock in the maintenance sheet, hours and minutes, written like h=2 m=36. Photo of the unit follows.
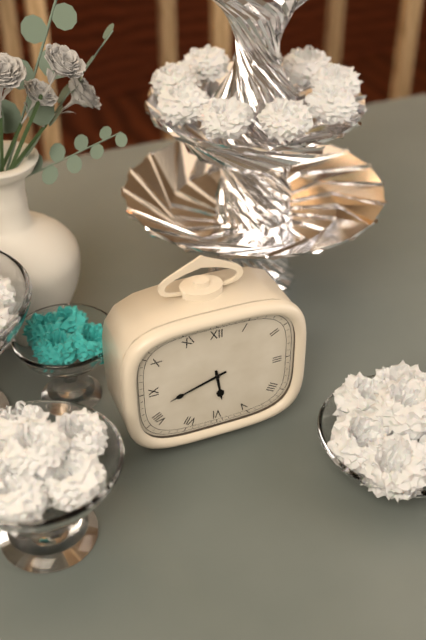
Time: h=5 m=42
